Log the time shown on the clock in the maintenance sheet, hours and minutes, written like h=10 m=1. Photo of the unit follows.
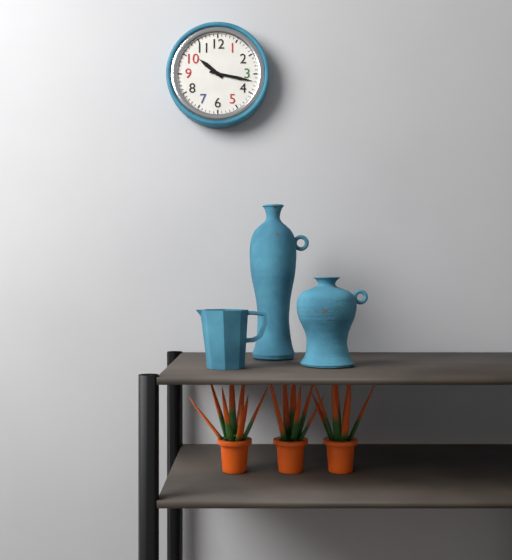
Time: h=10 m=17
